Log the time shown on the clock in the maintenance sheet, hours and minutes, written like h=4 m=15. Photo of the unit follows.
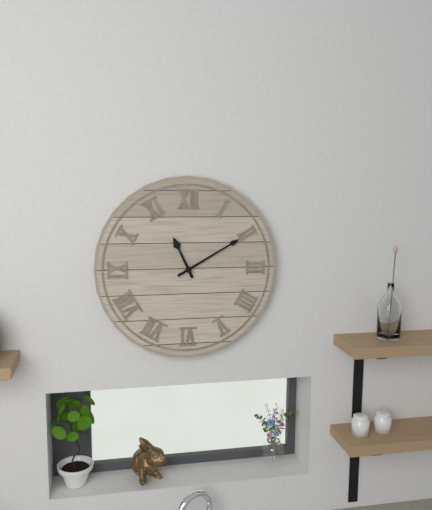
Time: h=11 m=10
